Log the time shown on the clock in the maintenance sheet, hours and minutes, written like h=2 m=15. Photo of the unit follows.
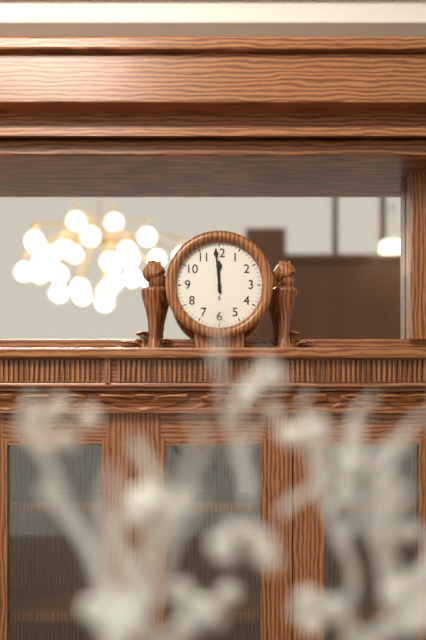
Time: h=11 m=59
